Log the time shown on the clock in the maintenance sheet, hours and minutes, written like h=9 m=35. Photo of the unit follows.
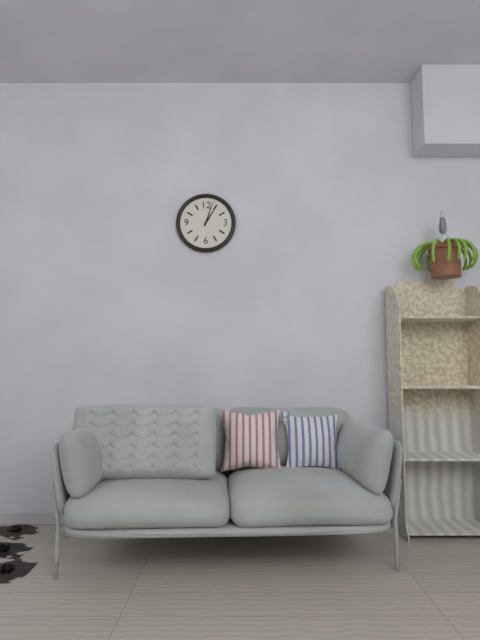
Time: h=1 m=3
